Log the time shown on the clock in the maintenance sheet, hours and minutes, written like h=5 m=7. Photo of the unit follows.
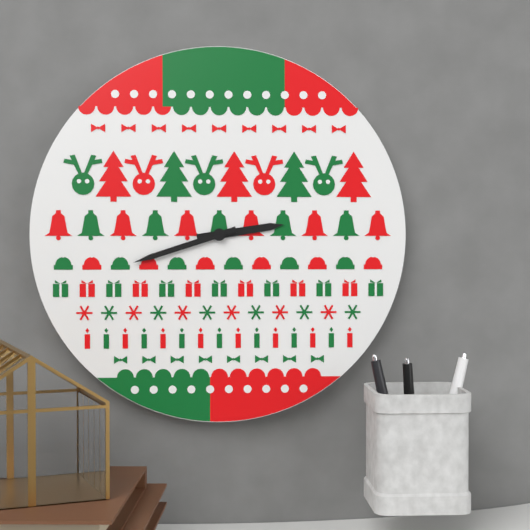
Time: h=2 m=42
